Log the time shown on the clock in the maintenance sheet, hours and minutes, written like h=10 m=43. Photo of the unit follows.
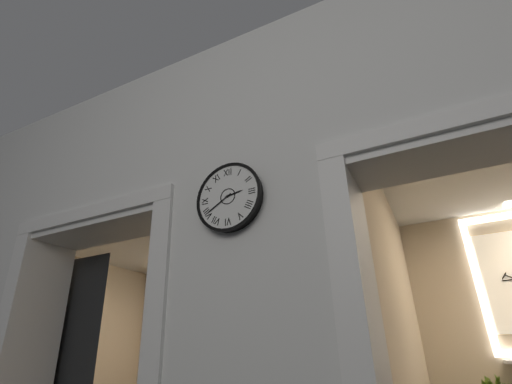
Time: h=2 m=40
